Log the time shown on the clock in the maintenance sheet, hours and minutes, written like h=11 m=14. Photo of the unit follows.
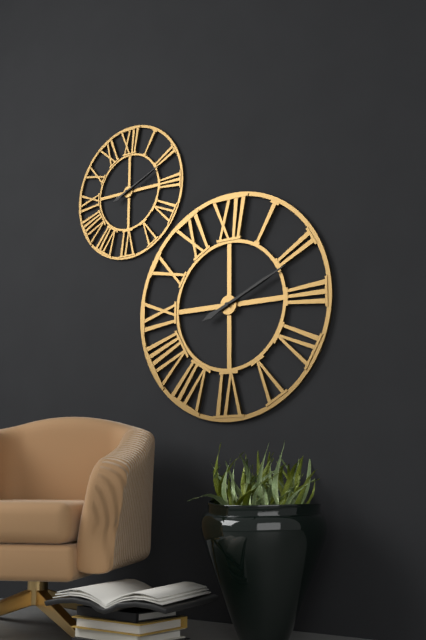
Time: h=2 m=11
